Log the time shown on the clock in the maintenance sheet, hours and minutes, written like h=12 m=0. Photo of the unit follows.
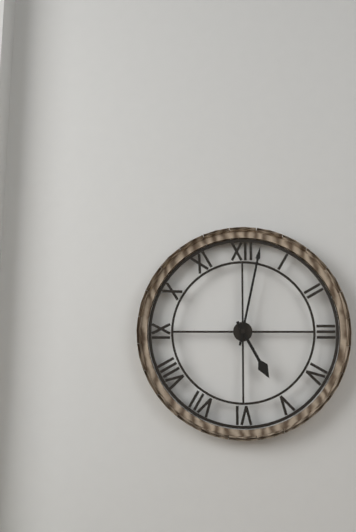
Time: h=5 m=2
